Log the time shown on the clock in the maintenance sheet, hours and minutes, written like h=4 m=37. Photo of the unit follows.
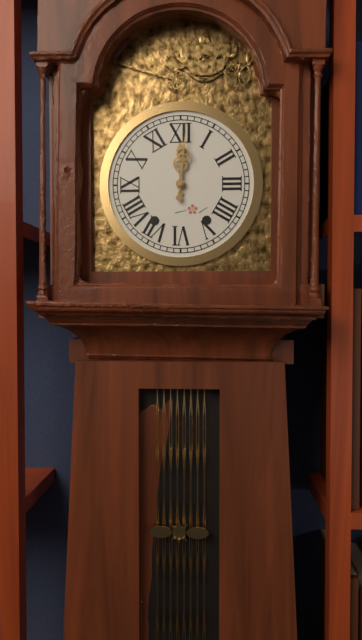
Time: h=12 m=1
